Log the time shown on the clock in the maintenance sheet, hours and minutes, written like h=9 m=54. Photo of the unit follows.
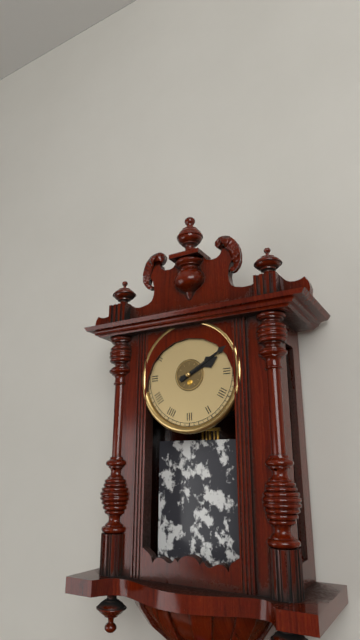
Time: h=2 m=10
